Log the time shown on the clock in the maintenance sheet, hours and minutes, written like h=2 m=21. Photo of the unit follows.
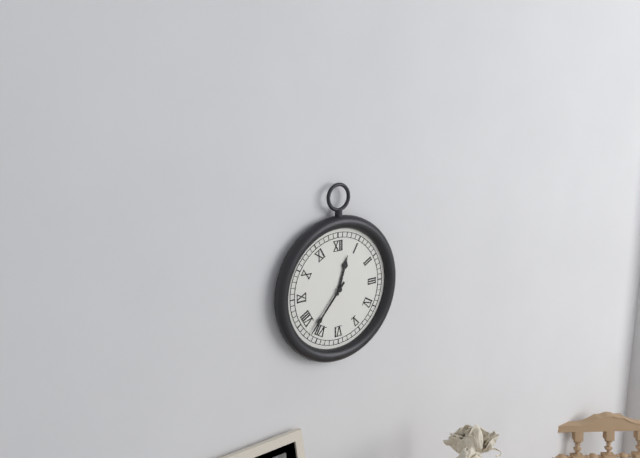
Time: h=12 m=37
